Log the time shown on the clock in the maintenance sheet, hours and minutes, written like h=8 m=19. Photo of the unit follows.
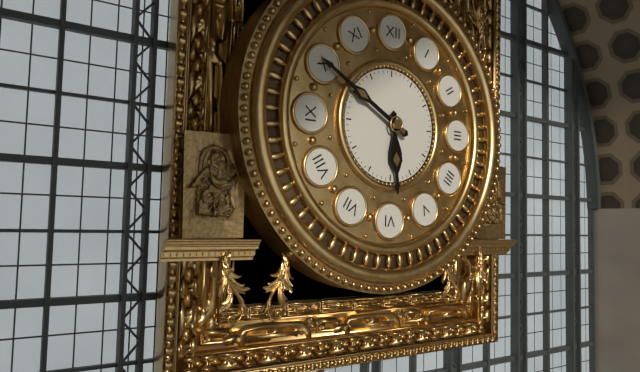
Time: h=5 m=50
